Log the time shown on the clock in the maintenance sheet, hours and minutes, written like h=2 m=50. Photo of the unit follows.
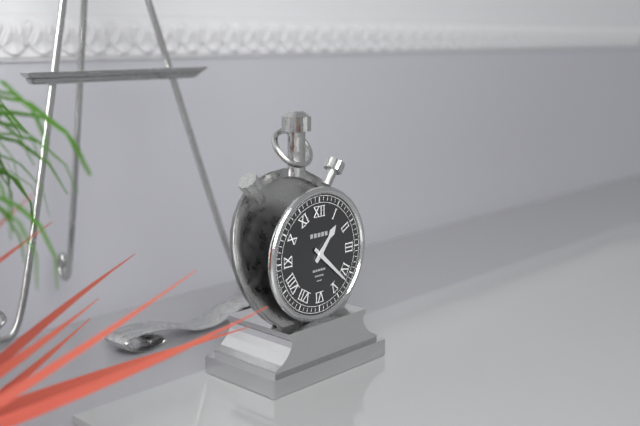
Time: h=1 m=22
